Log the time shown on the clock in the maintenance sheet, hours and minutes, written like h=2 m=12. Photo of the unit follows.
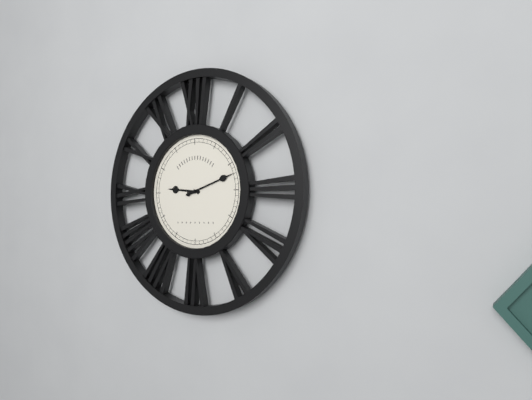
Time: h=9 m=12
